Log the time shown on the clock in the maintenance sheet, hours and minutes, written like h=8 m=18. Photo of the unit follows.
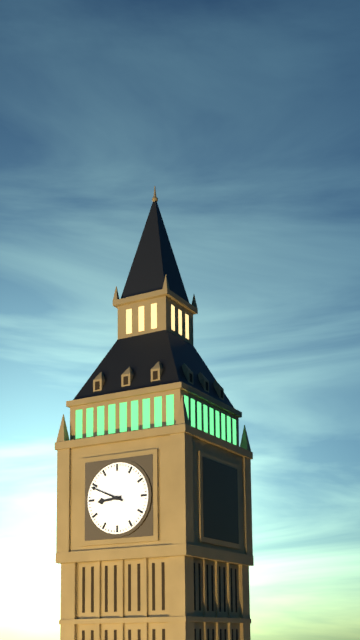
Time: h=8 m=49
